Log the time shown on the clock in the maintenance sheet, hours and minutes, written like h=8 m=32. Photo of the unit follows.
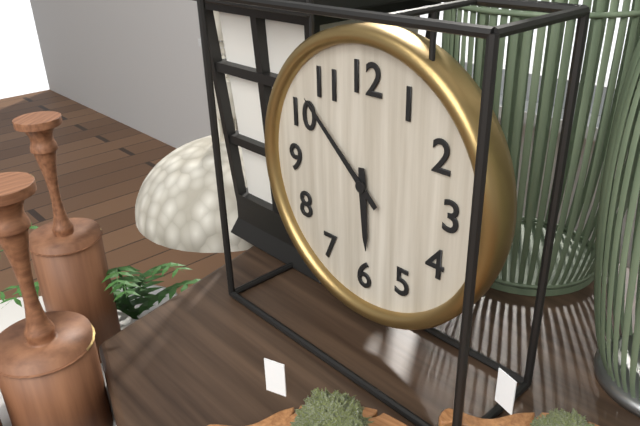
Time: h=5 m=52
